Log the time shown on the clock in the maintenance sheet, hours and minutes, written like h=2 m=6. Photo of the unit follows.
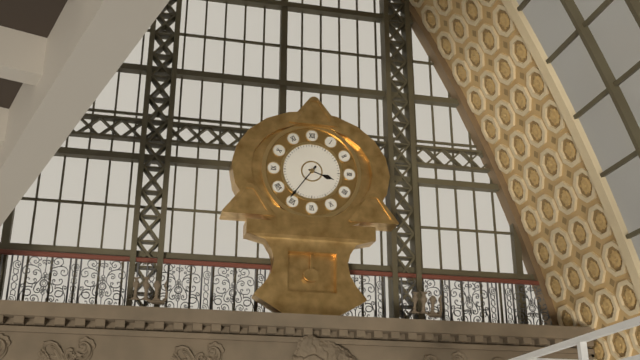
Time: h=3 m=36
